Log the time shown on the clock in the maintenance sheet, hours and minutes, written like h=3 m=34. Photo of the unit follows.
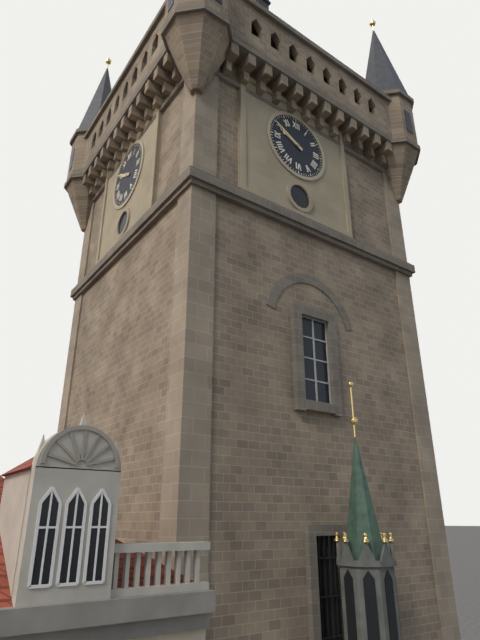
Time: h=9 m=50
